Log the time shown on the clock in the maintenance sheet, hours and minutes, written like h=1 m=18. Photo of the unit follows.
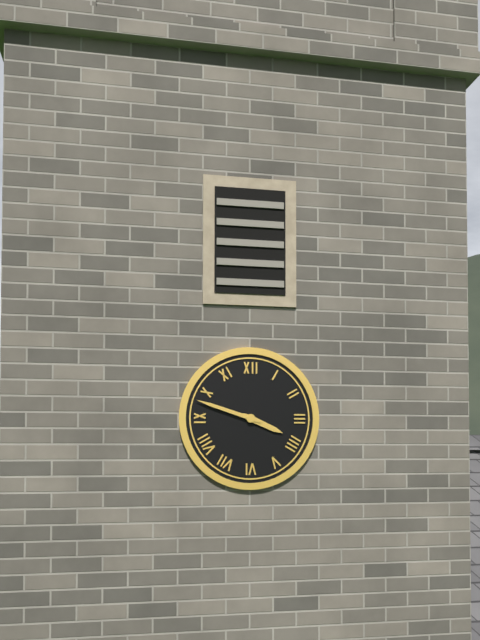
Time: h=3 m=48
